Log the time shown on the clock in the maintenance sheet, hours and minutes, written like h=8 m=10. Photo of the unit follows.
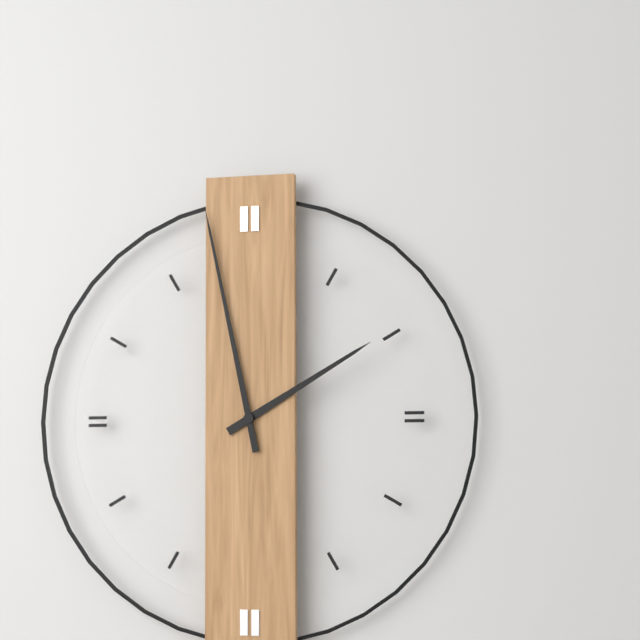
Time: h=1 m=58
